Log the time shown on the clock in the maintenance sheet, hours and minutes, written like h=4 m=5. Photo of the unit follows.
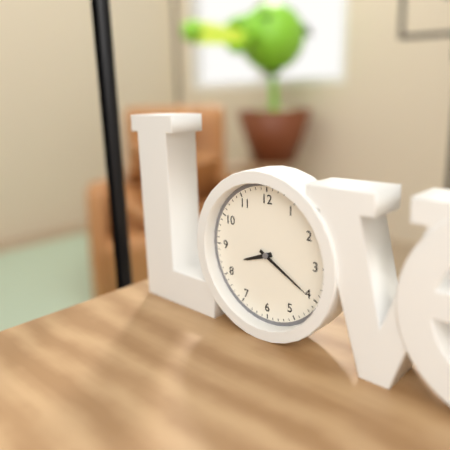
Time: h=8 m=20
